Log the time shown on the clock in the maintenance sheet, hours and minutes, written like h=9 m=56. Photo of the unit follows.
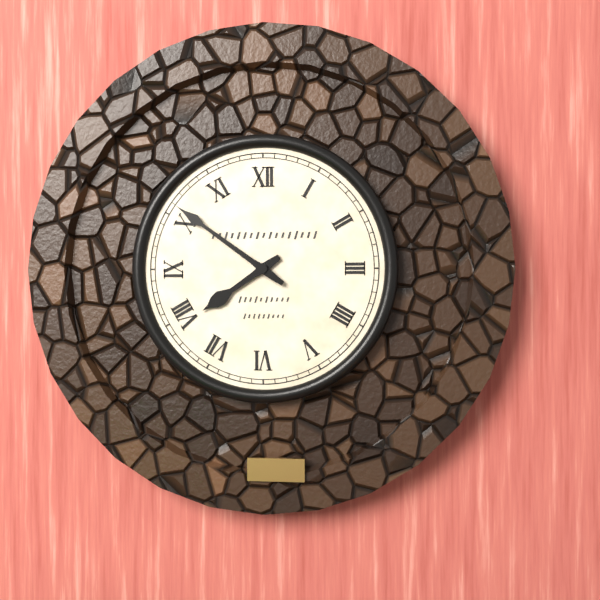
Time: h=7 m=51
